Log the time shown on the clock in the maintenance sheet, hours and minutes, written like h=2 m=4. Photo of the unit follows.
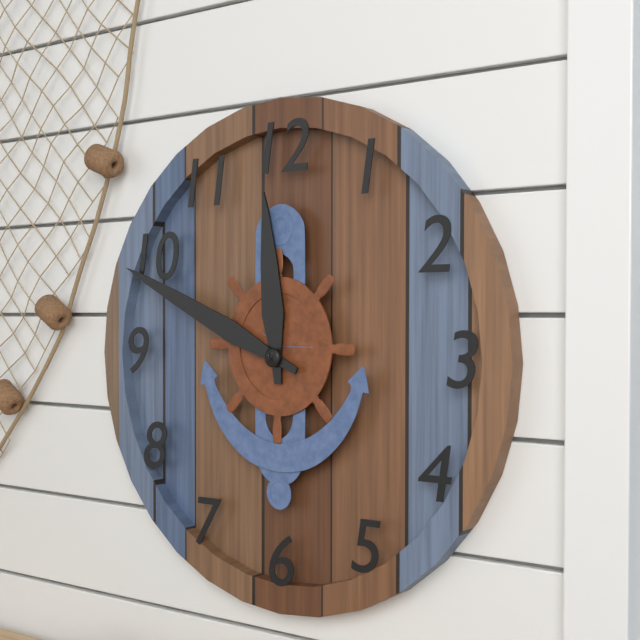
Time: h=11 m=49
